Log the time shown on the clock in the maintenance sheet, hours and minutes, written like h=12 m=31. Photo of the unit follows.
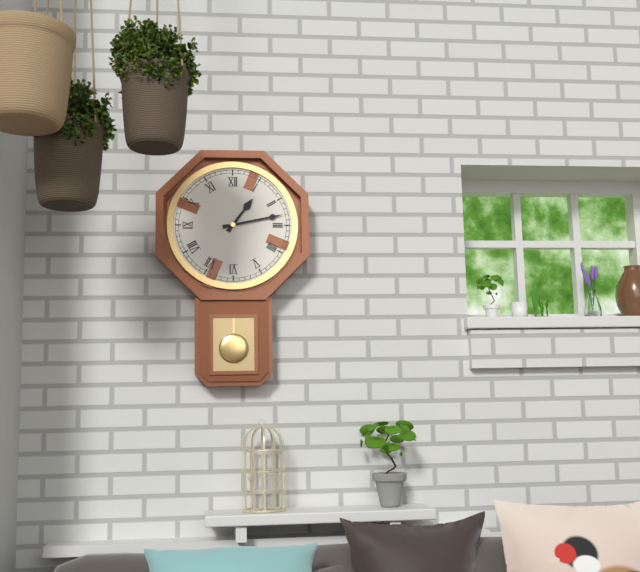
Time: h=1 m=13
